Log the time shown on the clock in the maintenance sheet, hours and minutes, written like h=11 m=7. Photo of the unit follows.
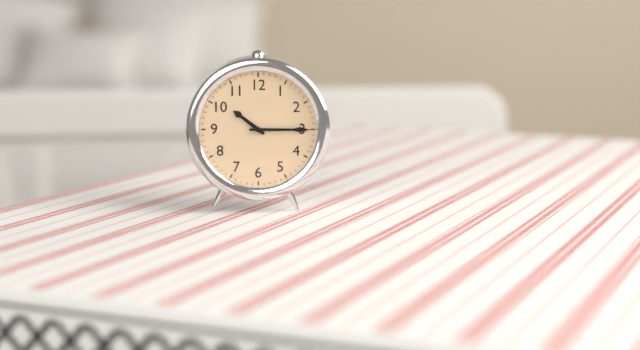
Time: h=10 m=15
